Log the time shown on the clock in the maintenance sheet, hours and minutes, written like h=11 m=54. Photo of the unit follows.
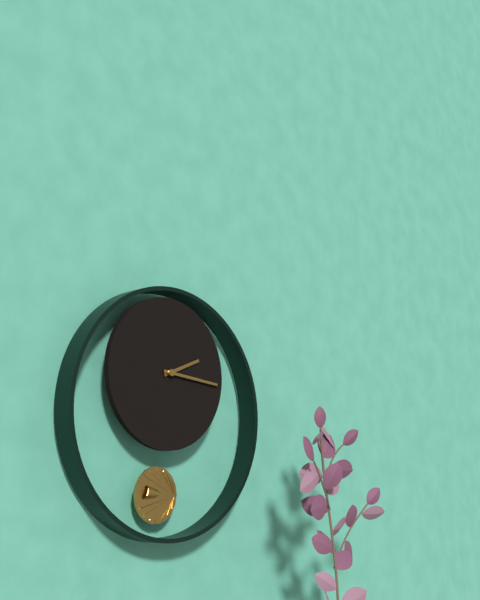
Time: h=2 m=16
